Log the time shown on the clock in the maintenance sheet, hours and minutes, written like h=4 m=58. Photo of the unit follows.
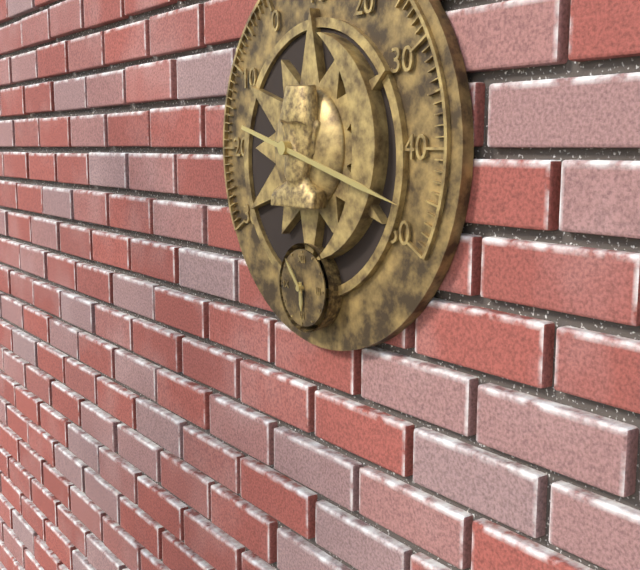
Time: h=5 m=53
